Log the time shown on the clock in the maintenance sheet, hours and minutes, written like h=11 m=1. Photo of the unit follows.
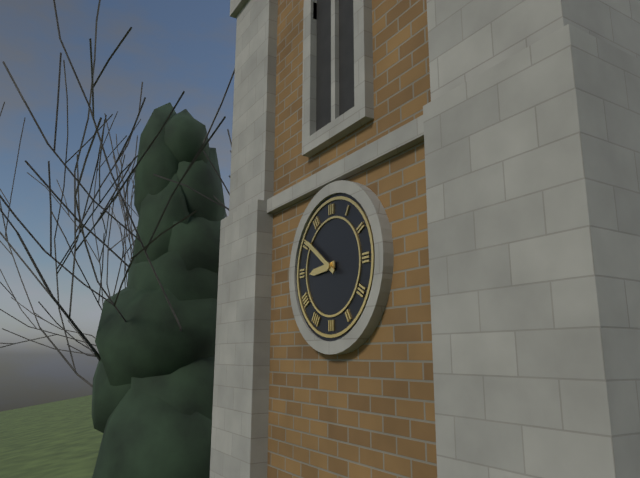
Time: h=8 m=51
